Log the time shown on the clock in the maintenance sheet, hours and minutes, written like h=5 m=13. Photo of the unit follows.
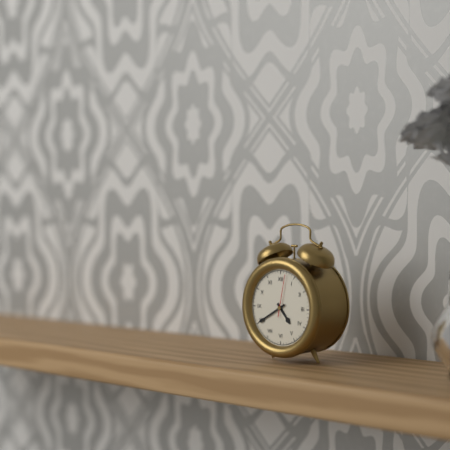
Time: h=4 m=40
